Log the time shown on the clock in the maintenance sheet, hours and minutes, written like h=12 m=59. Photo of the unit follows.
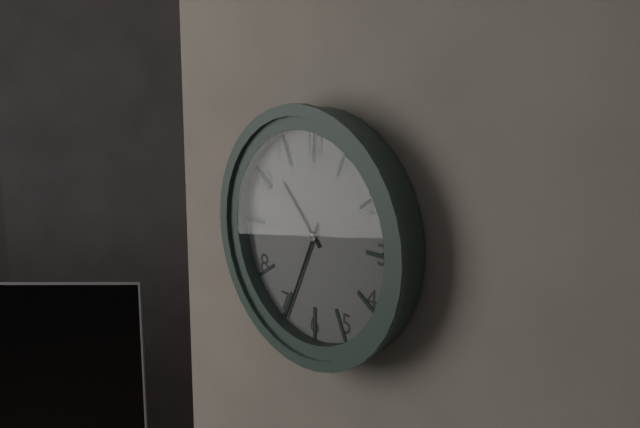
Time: h=10 m=34
